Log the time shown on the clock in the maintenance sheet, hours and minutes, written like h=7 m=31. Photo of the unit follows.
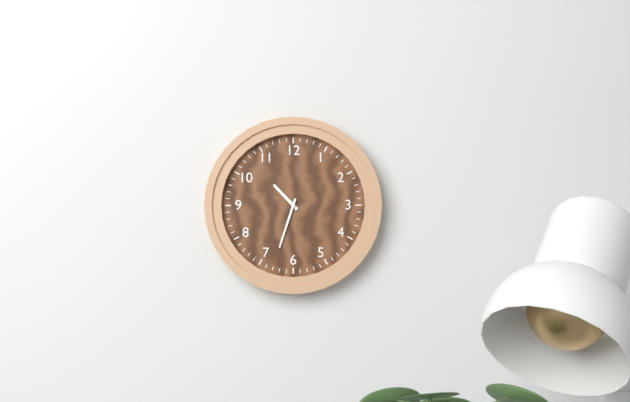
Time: h=10 m=33
